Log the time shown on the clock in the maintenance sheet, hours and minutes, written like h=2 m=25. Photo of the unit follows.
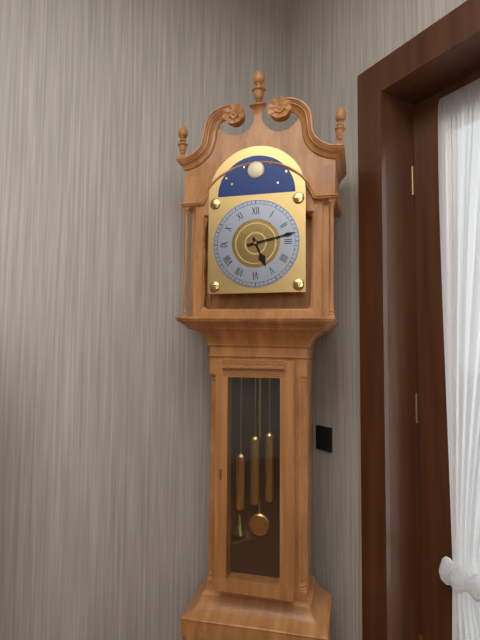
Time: h=5 m=13
